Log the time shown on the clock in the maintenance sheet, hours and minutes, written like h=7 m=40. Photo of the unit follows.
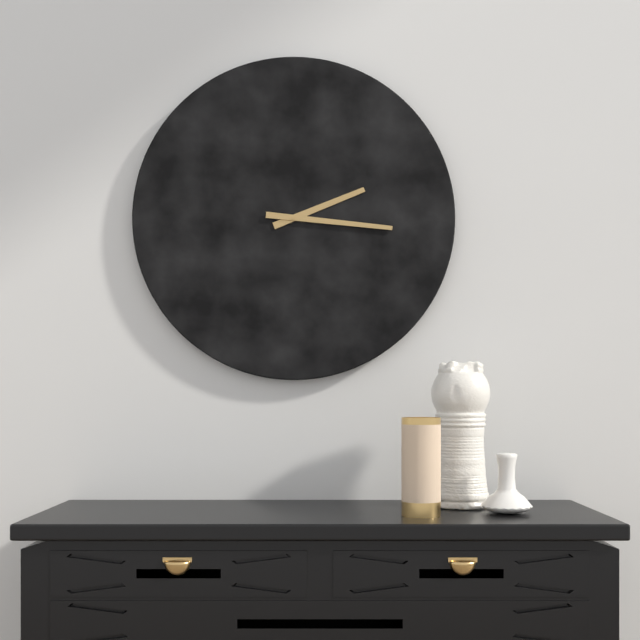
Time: h=2 m=16
